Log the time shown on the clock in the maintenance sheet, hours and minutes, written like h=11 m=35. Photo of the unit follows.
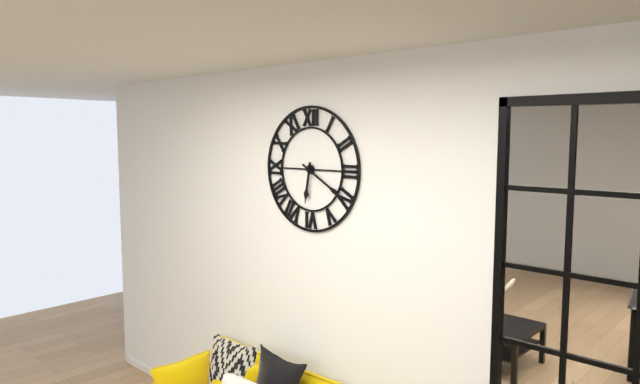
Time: h=6 m=20
